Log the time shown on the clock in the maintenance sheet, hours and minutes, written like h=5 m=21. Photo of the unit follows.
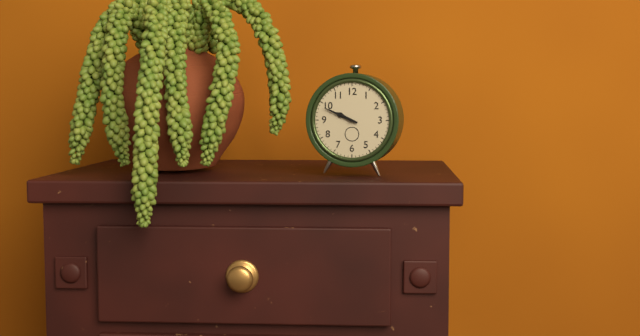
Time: h=9 m=49
